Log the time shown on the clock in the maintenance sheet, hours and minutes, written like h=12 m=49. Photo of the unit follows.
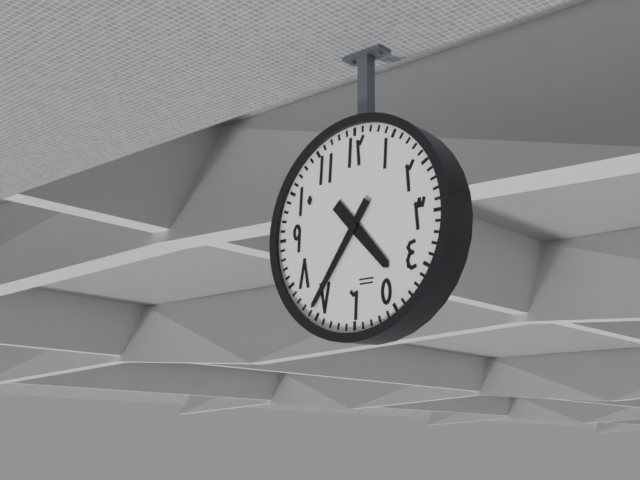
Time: h=4 m=36
